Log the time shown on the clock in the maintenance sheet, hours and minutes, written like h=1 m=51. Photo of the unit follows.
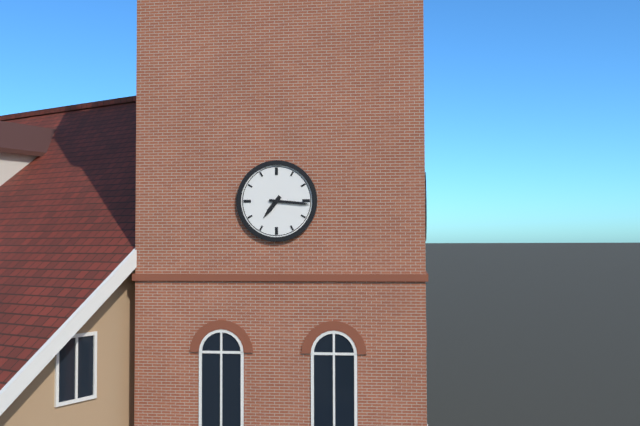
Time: h=7 m=16
